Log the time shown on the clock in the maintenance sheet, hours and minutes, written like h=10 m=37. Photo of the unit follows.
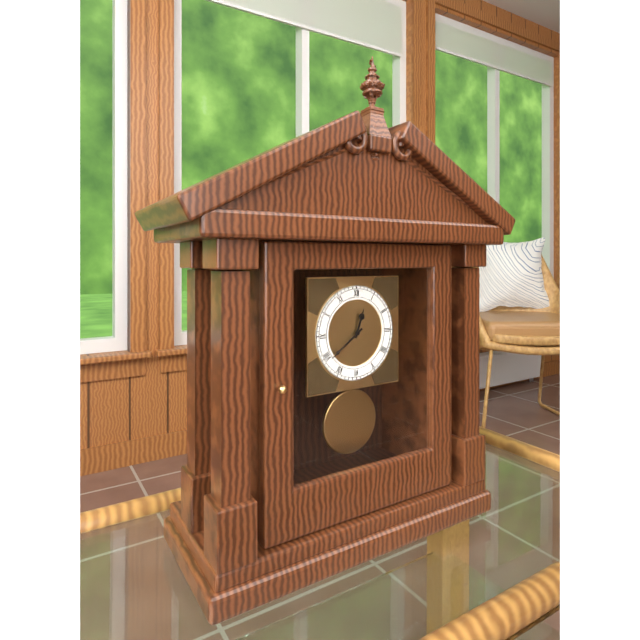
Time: h=12 m=39
